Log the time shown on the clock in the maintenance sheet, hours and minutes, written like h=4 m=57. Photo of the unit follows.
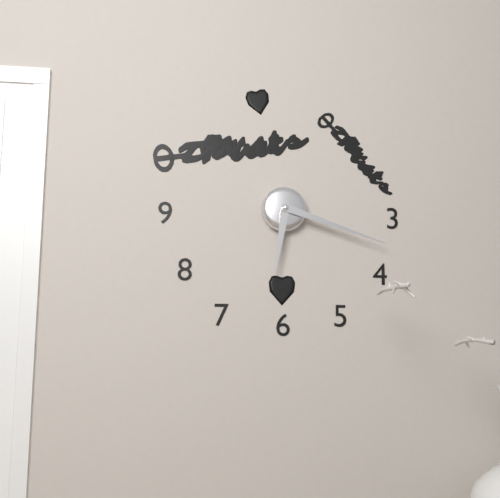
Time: h=6 m=18
